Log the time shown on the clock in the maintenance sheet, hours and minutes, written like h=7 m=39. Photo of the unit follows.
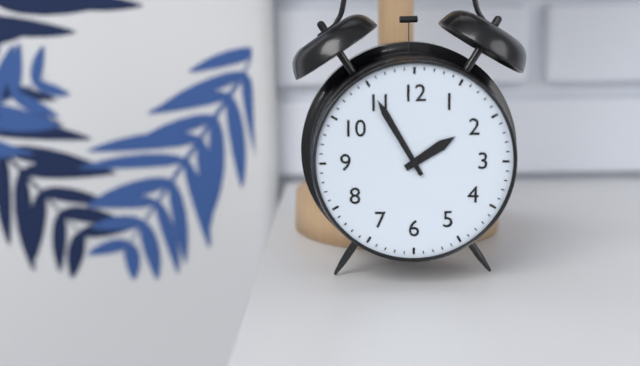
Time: h=1 m=55
